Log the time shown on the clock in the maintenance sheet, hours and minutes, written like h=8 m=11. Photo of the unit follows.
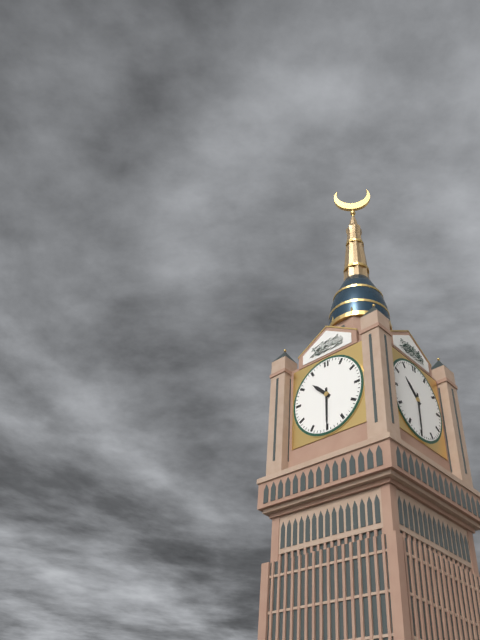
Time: h=10 m=30
